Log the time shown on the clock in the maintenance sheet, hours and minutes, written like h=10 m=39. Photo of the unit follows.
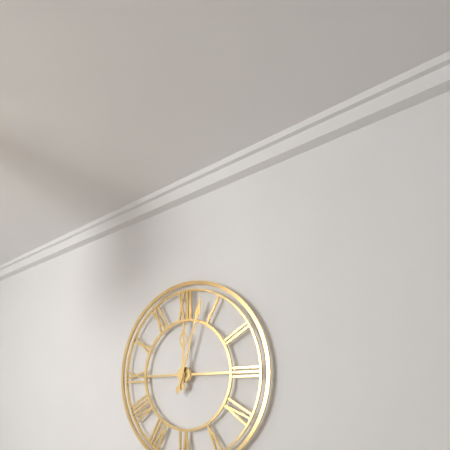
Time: h=12 m=3
